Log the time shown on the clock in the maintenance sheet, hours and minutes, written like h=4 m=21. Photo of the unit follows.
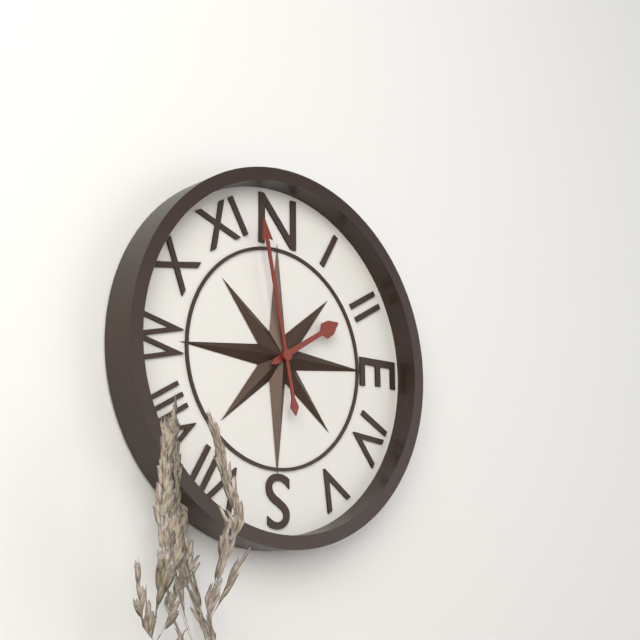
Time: h=1 m=58
